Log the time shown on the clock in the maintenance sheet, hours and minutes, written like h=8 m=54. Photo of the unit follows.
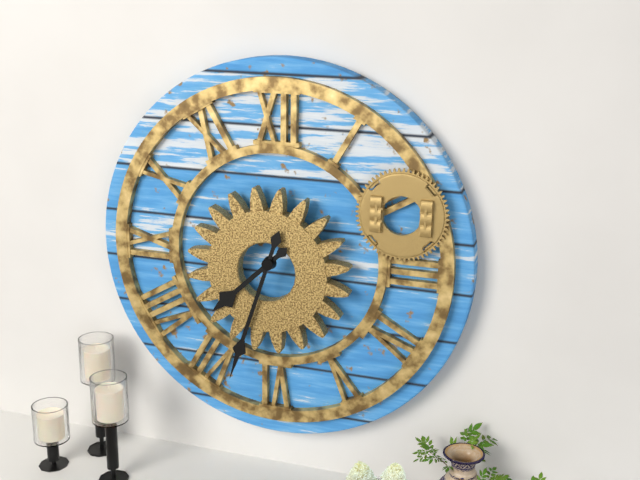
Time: h=7 m=33
